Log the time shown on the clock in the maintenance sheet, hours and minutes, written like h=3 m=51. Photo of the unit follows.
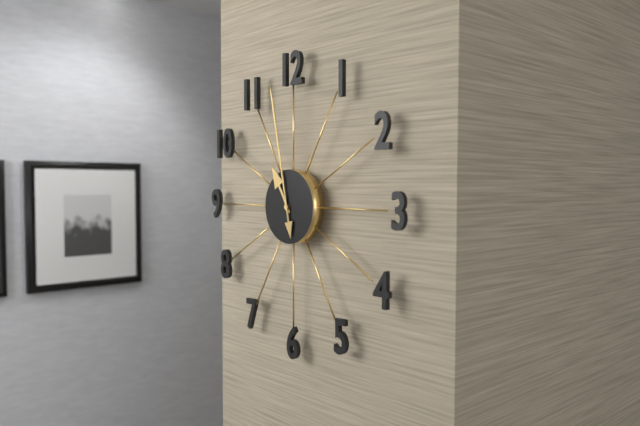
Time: h=10 m=58
